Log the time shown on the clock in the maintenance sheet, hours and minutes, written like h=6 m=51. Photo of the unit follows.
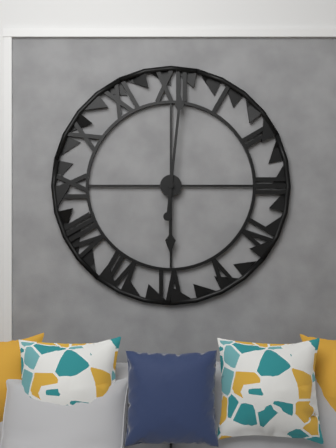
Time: h=6 m=1
